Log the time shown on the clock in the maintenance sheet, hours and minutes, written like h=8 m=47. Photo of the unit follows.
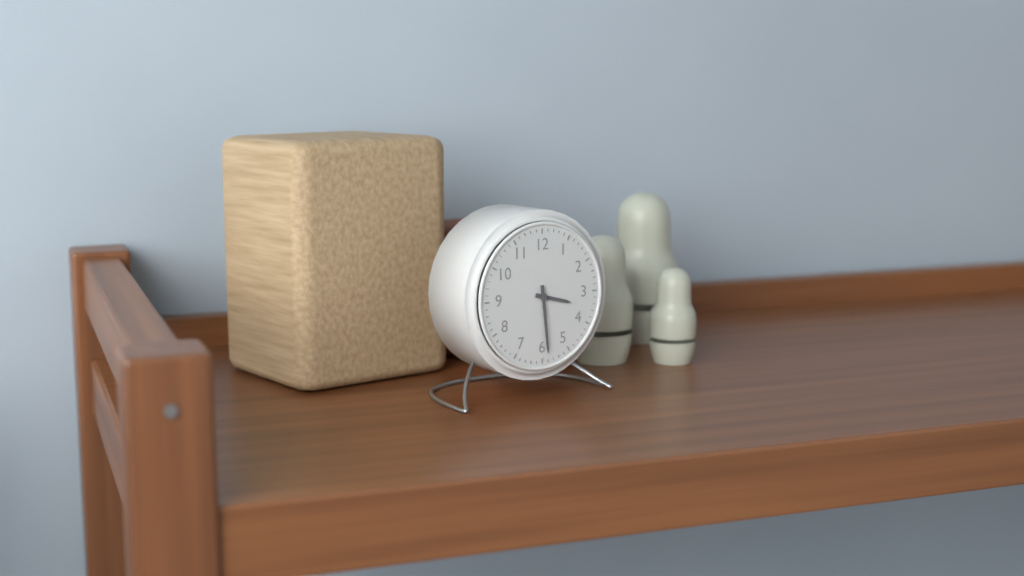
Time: h=3 m=29
